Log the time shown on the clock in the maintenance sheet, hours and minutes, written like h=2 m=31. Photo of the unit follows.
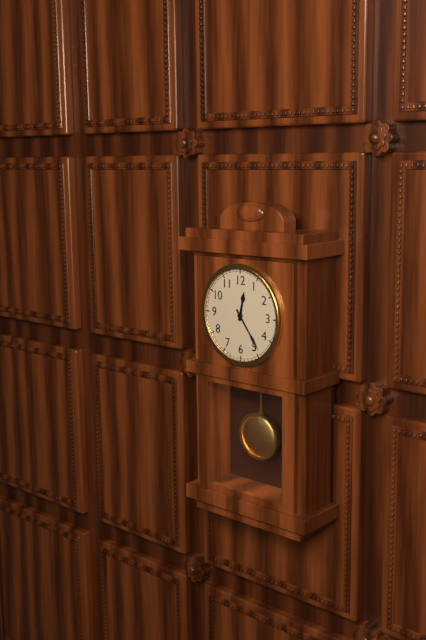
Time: h=12 m=24
